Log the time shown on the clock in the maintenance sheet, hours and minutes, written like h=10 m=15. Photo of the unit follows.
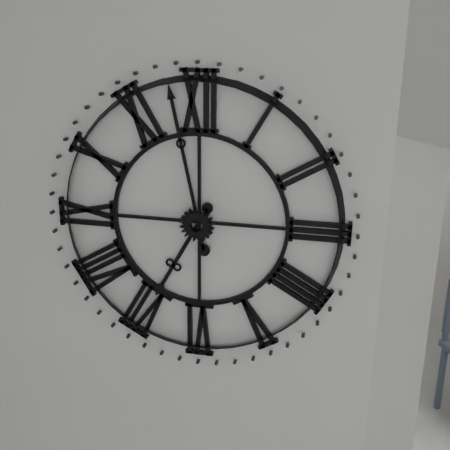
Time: h=6 m=58
